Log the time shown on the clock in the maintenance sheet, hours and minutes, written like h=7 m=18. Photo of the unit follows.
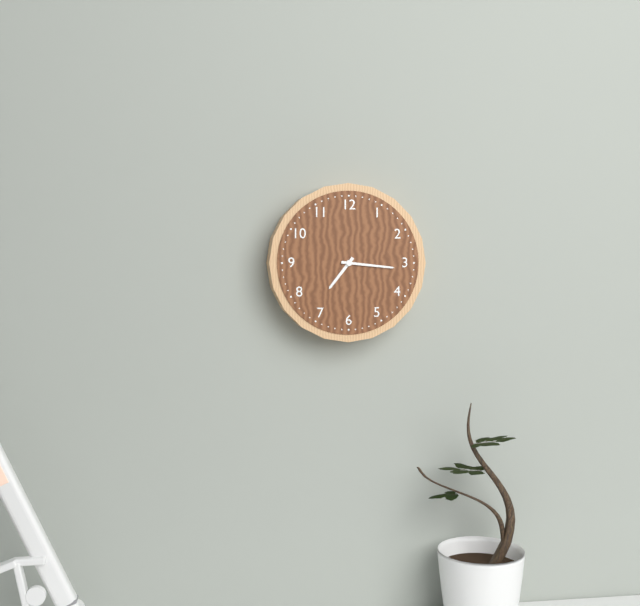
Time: h=7 m=16
